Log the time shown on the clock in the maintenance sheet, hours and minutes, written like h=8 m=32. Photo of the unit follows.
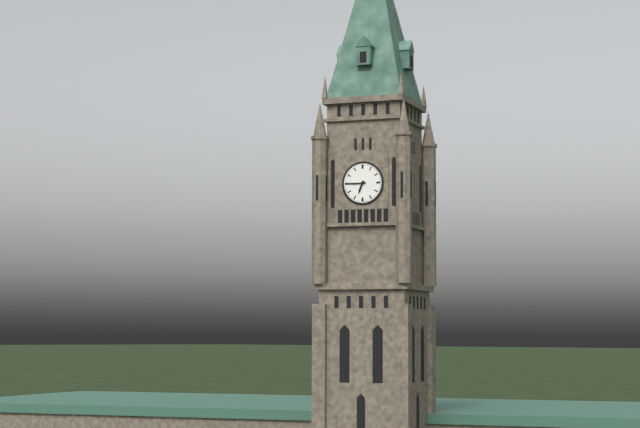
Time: h=6 m=45
